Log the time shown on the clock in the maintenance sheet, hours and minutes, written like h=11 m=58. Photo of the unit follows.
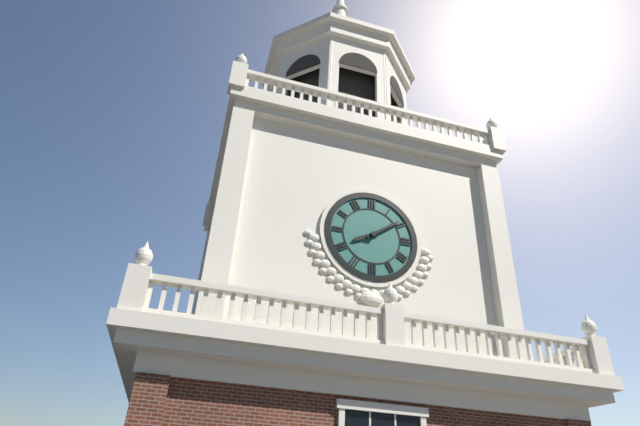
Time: h=8 m=9
